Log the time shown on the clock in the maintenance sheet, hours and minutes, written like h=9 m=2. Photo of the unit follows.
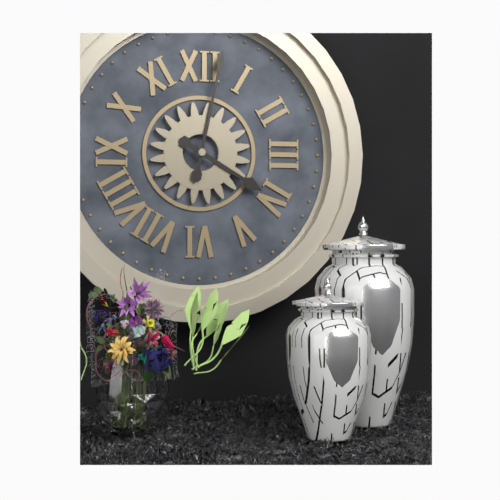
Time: h=4 m=2
